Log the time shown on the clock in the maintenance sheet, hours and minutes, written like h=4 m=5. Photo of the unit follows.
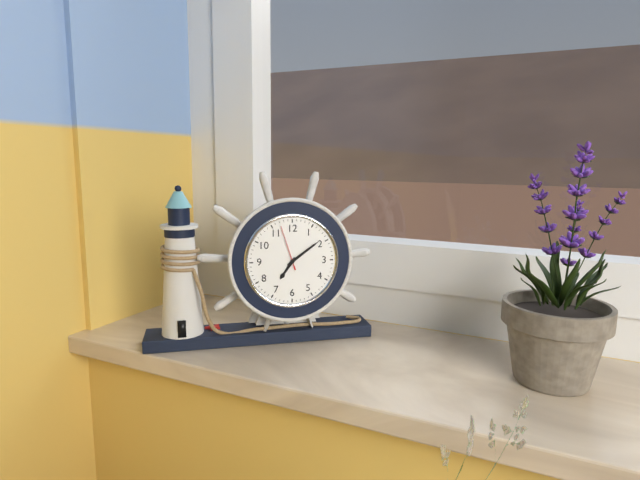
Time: h=7 m=9
